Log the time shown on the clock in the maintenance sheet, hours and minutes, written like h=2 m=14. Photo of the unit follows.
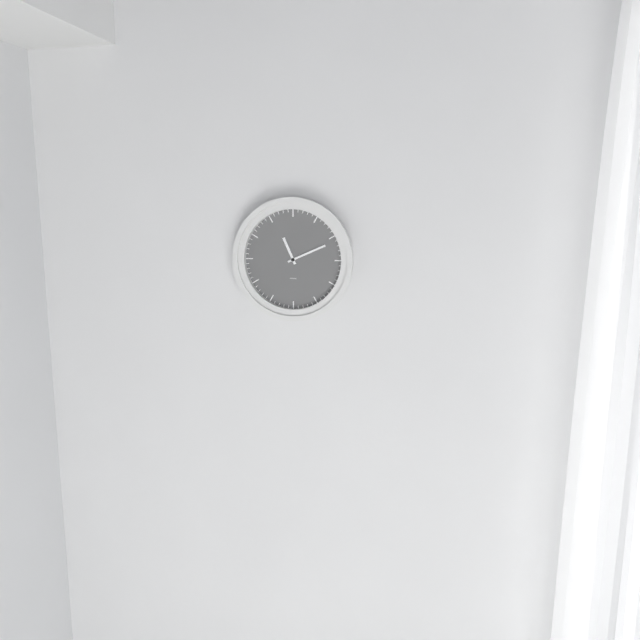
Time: h=11 m=11
